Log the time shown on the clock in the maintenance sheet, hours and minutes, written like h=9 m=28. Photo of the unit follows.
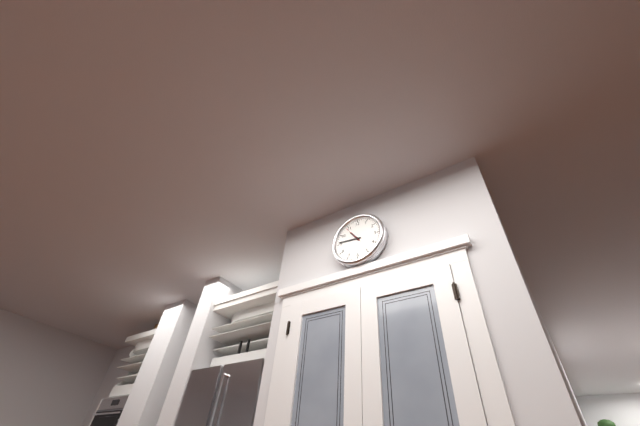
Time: h=10 m=46
